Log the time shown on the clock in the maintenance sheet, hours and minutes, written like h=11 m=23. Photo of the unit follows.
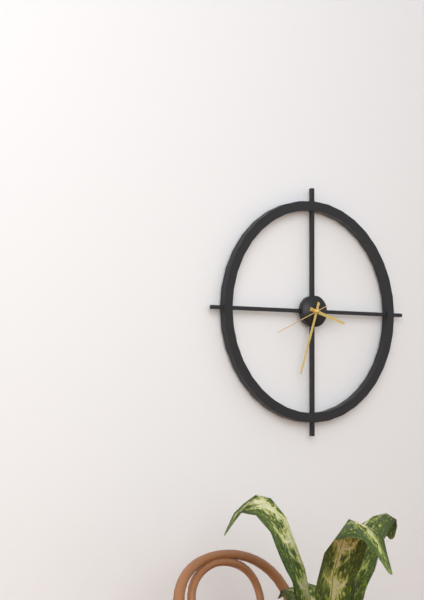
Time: h=3 m=33
